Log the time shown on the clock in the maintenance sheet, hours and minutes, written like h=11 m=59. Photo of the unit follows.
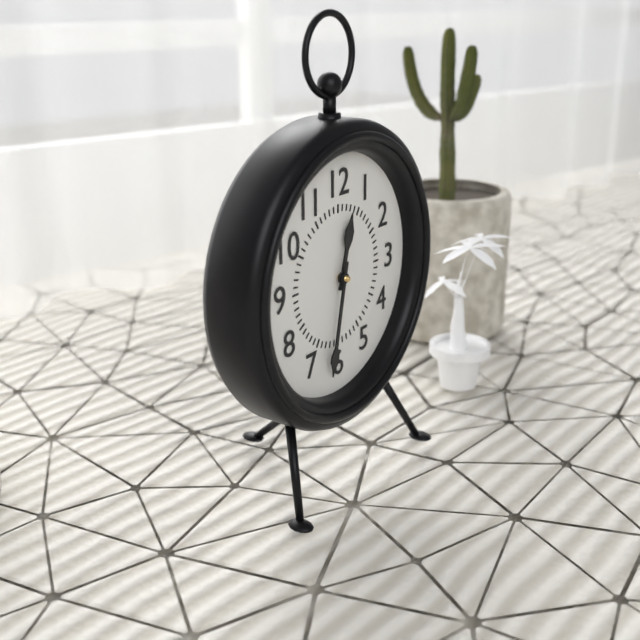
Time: h=12 m=32
